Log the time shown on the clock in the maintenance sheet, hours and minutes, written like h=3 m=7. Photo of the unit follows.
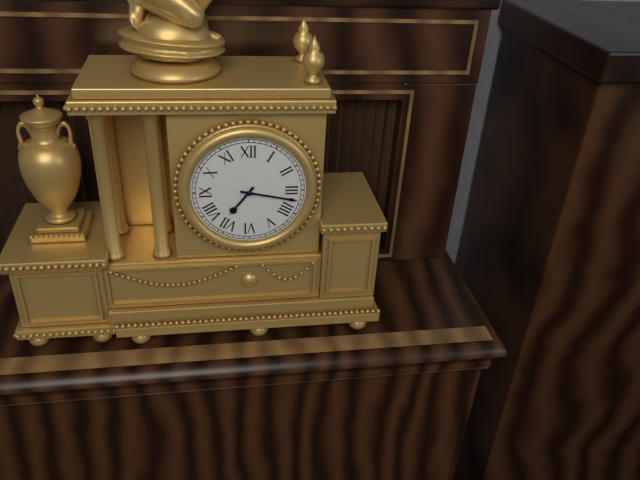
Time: h=7 m=17
